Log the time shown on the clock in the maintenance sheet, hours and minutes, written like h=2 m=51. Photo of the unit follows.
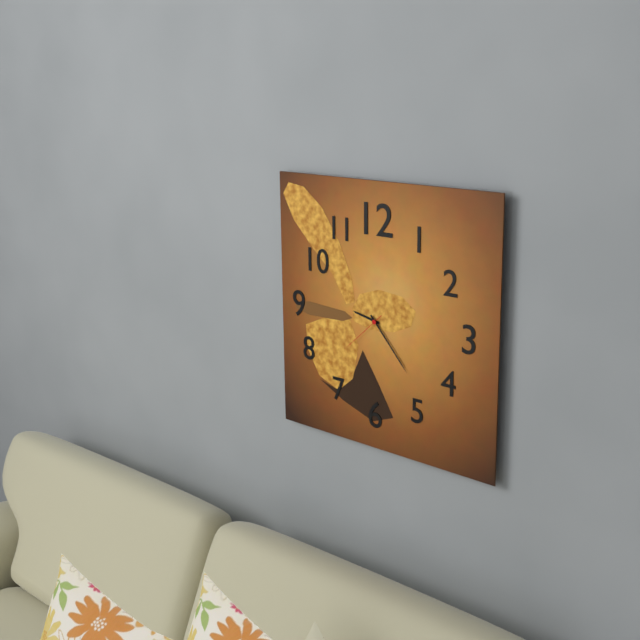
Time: h=9 m=23
